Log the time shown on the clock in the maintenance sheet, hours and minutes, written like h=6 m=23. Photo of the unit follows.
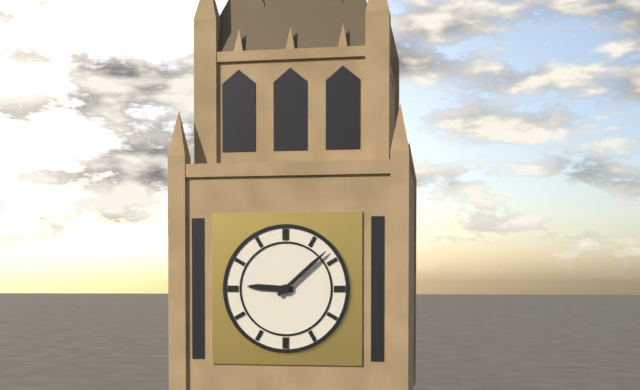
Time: h=9 m=8
